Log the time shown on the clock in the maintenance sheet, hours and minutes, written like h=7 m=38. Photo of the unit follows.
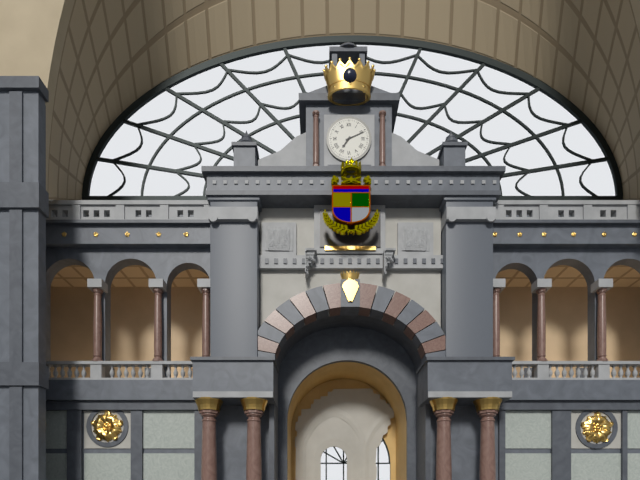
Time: h=7 m=11
